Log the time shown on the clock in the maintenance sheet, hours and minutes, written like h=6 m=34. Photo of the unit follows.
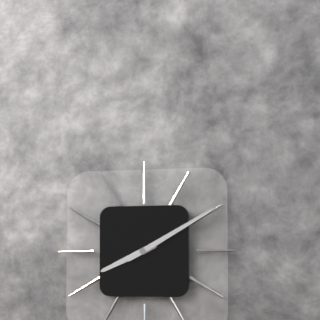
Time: h=8 m=10
